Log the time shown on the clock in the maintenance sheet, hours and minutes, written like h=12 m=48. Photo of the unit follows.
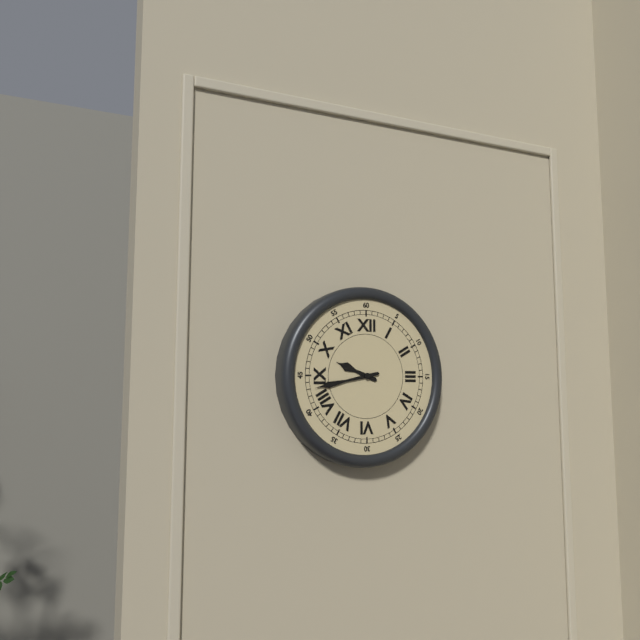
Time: h=9 m=43
